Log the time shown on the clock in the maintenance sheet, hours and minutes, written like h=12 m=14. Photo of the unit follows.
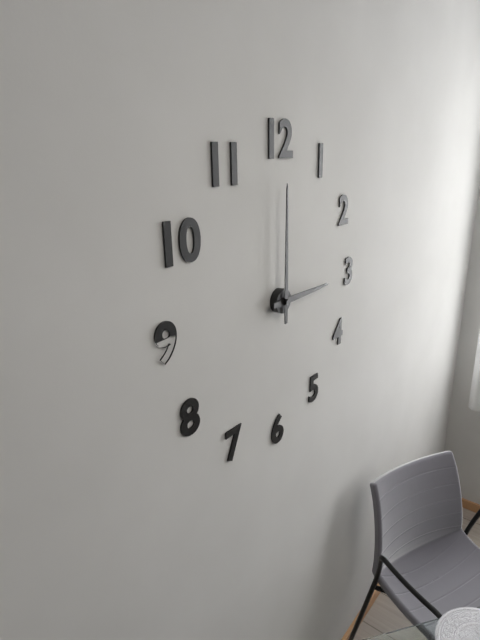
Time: h=3 m=0
